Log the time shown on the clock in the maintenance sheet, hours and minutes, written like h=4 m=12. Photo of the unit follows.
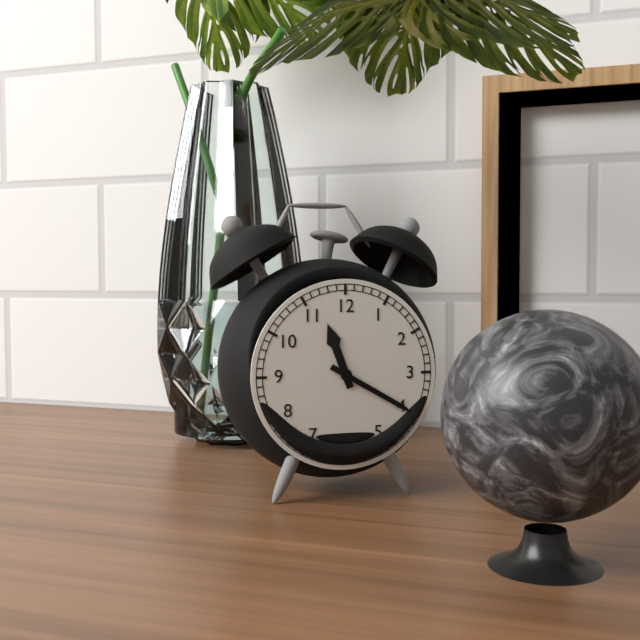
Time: h=11 m=20
